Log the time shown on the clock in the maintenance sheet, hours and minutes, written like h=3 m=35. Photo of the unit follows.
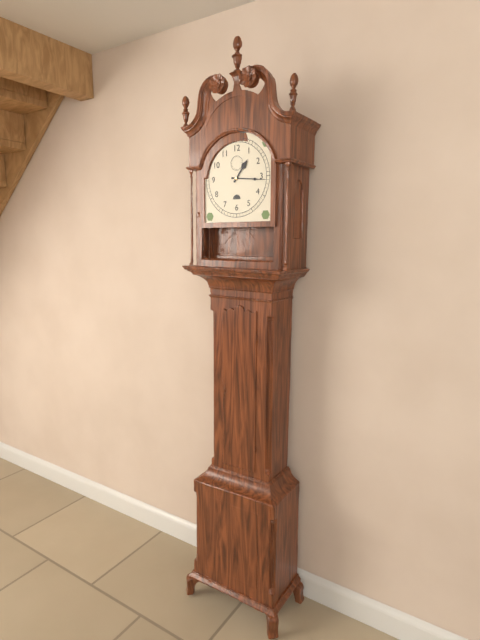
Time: h=1 m=16
